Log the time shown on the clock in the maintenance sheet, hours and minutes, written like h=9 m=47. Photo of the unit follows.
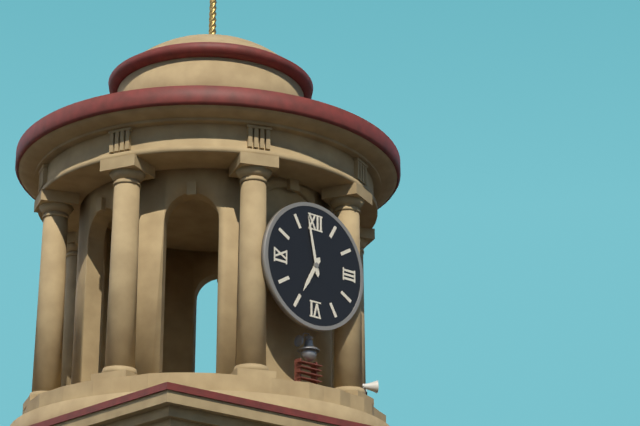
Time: h=6 m=58
